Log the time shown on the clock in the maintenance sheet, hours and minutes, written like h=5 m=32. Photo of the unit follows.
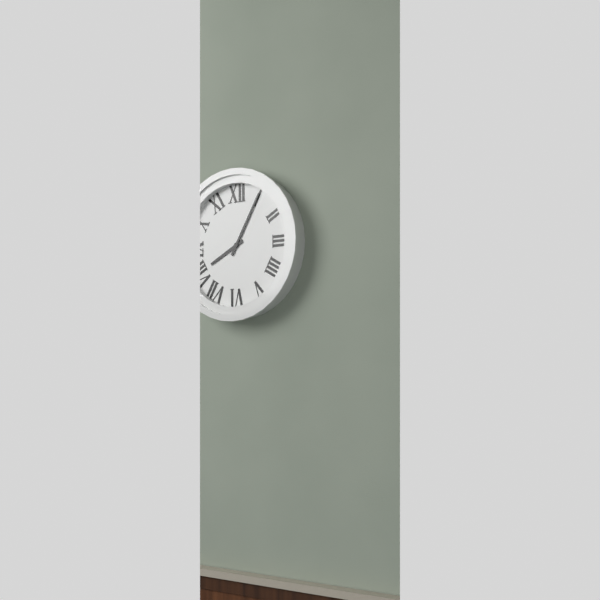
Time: h=8 m=5
